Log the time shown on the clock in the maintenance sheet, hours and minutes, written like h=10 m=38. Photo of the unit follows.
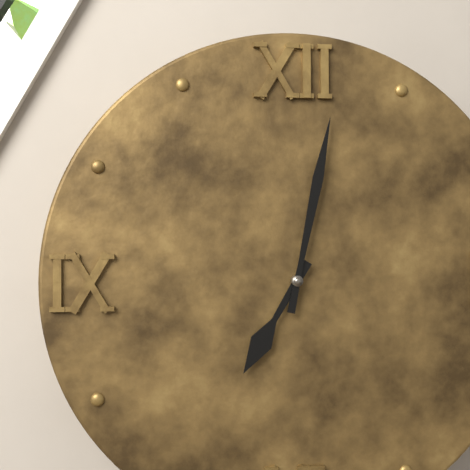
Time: h=7 m=2
